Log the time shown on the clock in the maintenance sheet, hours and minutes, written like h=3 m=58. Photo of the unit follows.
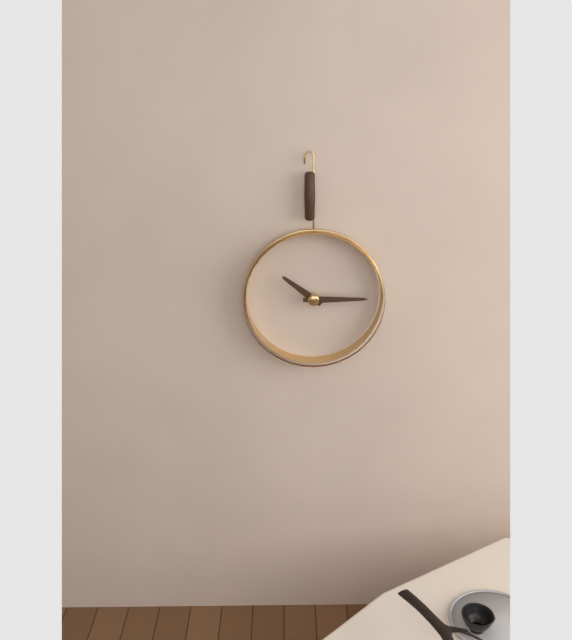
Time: h=10 m=15
